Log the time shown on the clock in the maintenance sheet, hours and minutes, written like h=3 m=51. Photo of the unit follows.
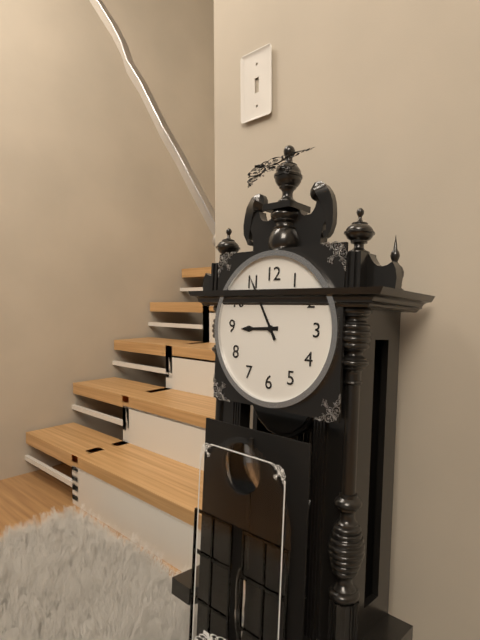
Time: h=8 m=55
